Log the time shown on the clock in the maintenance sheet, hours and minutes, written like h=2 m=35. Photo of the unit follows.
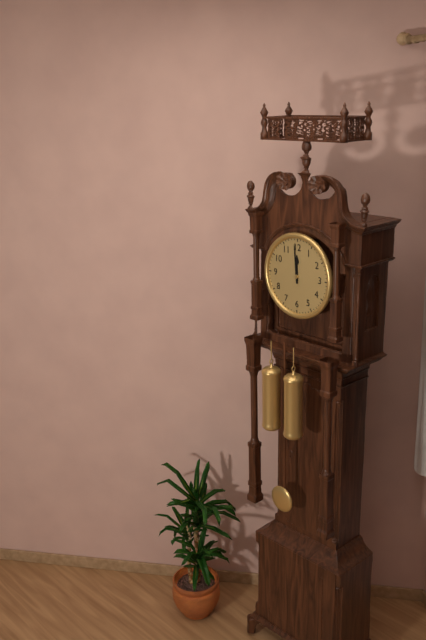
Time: h=11 m=59
